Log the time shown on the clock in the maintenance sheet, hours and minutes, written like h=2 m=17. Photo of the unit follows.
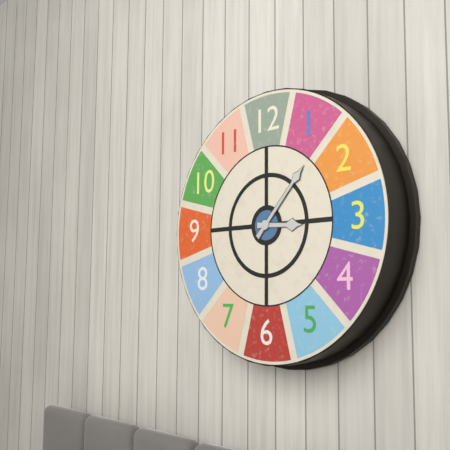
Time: h=3 m=7
